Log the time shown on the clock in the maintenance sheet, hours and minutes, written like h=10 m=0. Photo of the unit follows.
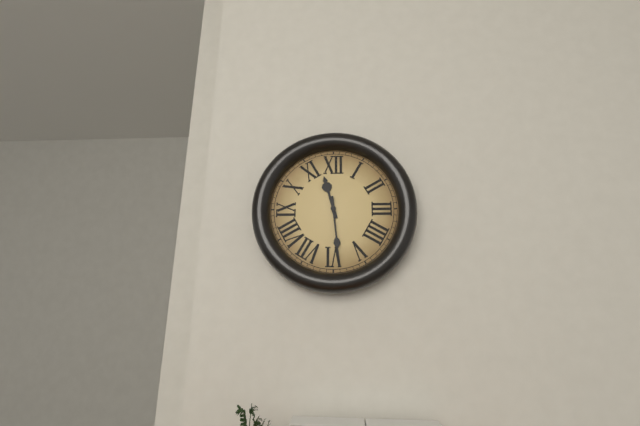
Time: h=11 m=29
